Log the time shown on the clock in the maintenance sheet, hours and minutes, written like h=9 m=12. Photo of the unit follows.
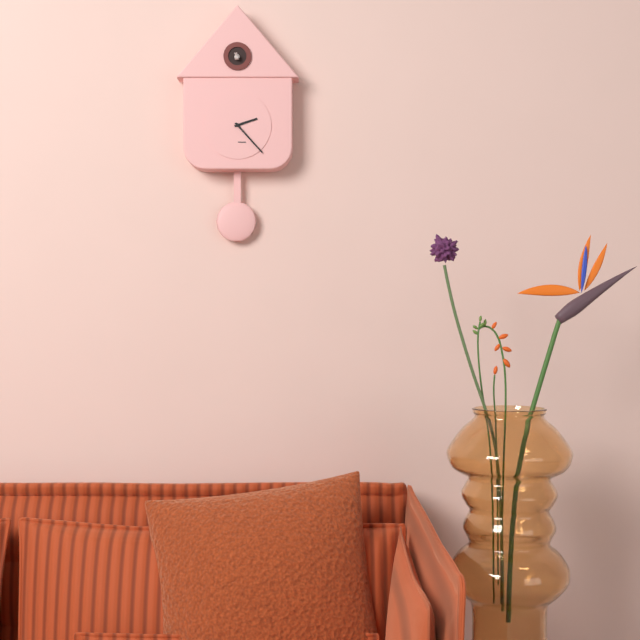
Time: h=2 m=23
